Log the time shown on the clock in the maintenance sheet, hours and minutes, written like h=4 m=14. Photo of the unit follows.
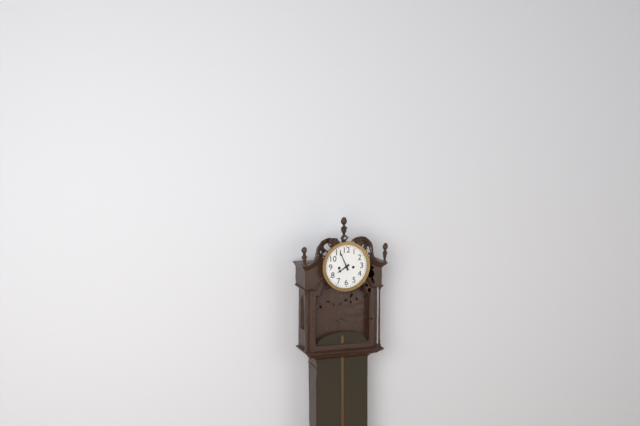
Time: h=7 m=56
